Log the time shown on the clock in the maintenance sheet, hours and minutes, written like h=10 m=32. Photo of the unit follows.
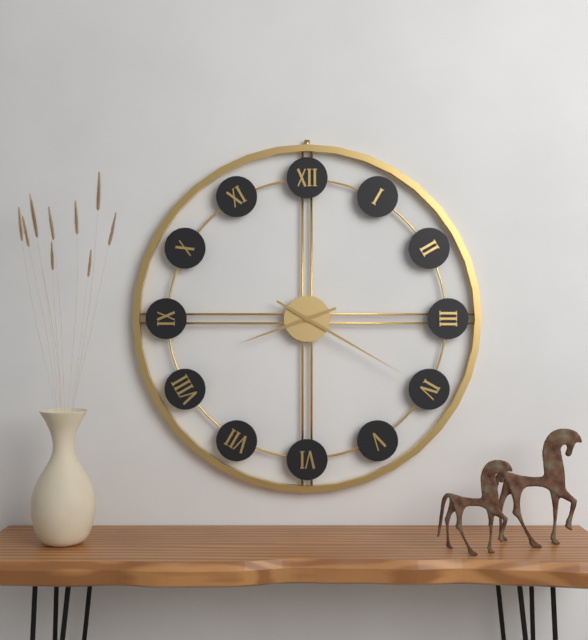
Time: h=8 m=20
